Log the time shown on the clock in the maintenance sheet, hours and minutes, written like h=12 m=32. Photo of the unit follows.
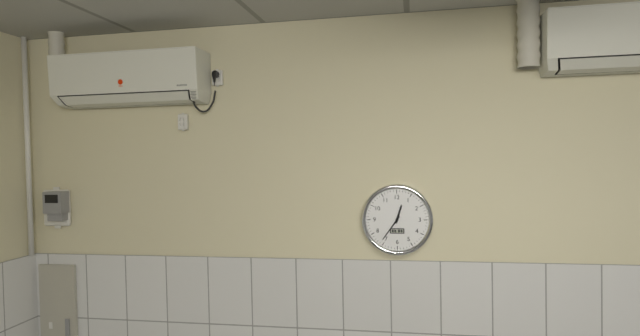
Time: h=12 m=36
